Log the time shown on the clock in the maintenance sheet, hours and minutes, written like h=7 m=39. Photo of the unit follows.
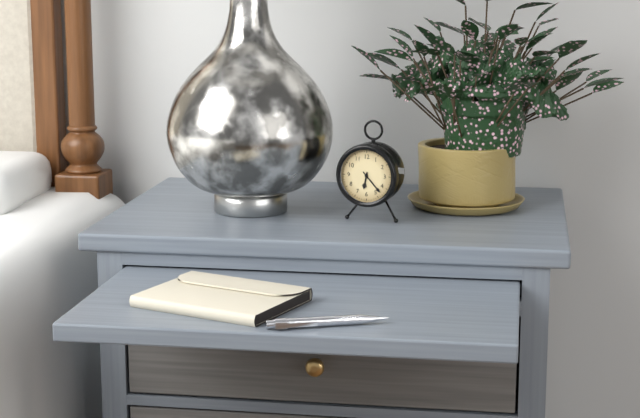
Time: h=6 m=23
